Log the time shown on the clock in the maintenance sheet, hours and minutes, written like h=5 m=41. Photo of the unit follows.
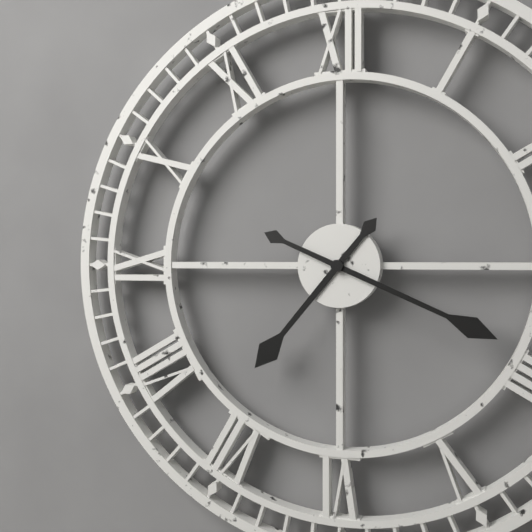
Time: h=7 m=19
